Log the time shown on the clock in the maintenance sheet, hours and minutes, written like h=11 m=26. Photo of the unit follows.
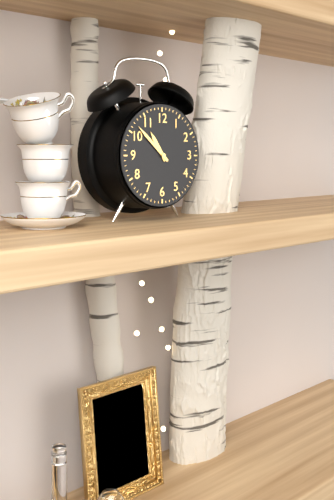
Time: h=10 m=52
